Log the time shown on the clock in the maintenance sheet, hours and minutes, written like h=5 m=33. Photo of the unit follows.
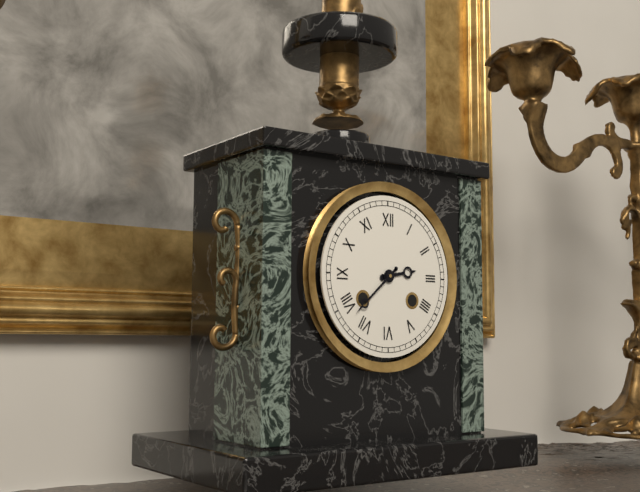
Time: h=2 m=38
